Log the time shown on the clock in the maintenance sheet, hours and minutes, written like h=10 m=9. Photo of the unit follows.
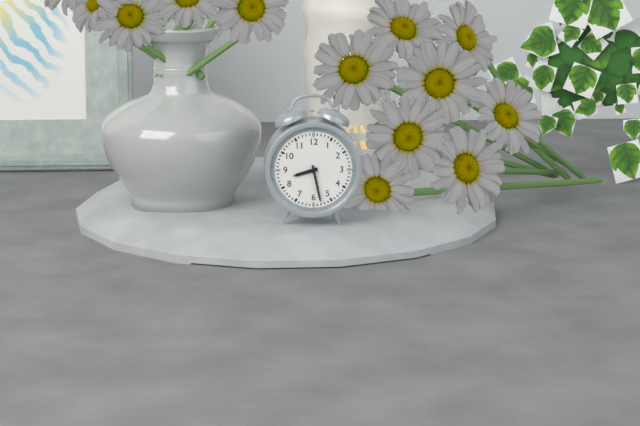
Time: h=8 m=28
